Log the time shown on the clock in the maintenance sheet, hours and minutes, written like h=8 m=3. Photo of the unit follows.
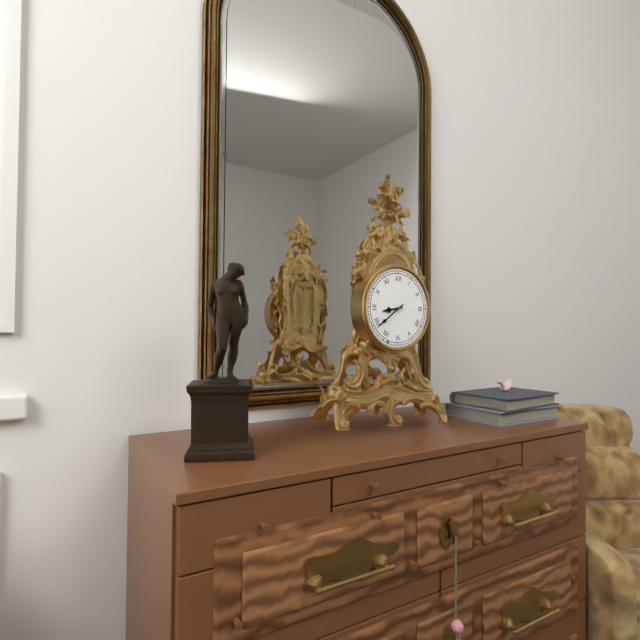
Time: h=8 m=39
